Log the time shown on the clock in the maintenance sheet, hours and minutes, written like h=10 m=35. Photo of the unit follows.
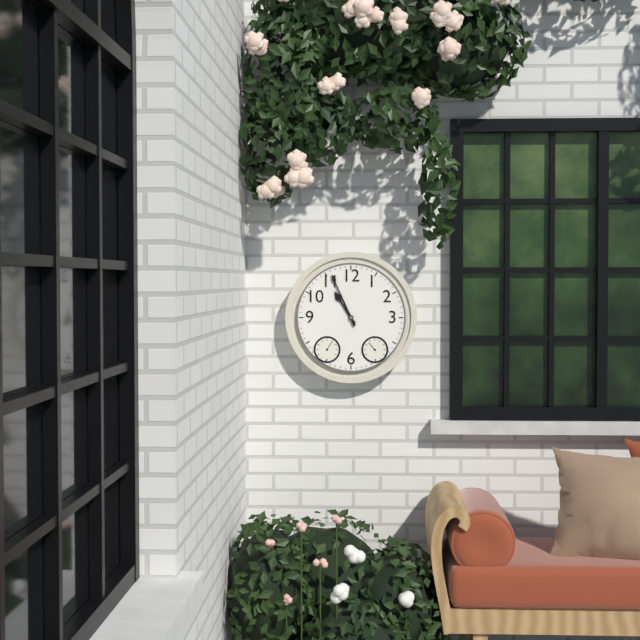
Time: h=10 m=56
